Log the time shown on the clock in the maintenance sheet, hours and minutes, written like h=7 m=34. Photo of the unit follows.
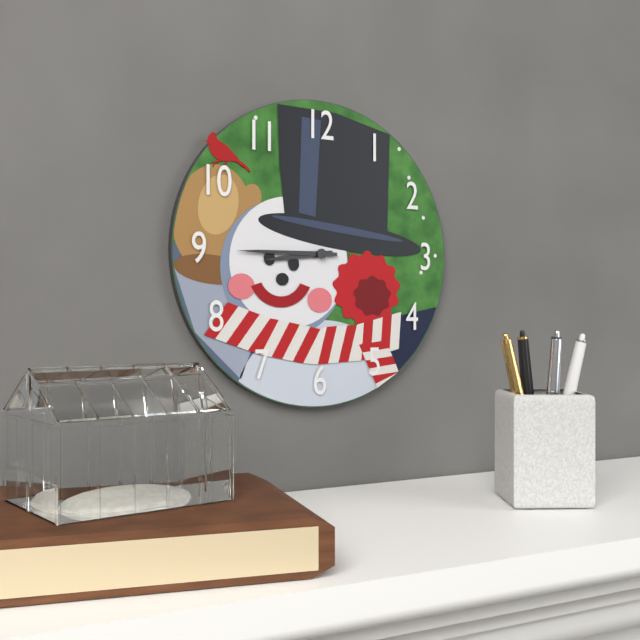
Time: h=8 m=45
